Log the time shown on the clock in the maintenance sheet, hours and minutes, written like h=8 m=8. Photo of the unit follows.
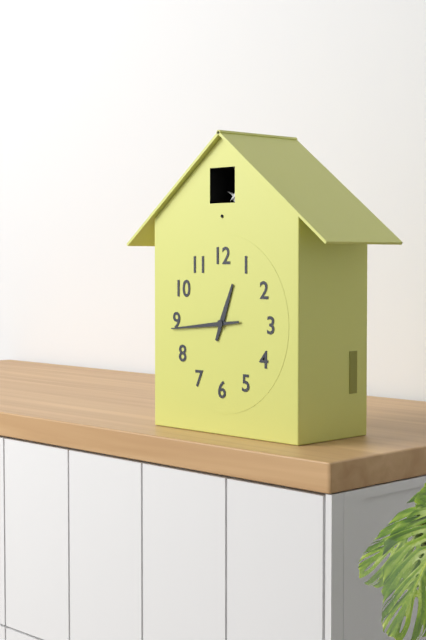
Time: h=12 m=44
